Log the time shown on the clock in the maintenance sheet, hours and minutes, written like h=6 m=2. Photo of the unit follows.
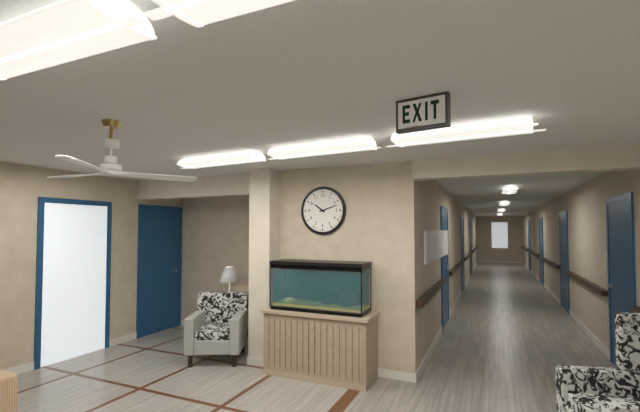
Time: h=10 m=12
